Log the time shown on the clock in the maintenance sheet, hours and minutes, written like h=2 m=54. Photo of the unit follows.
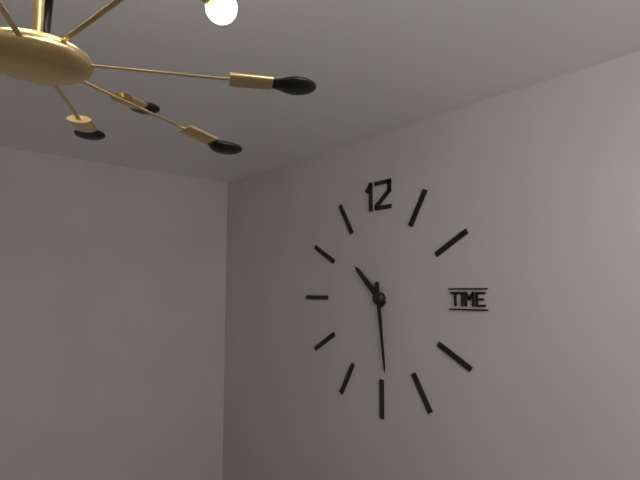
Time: h=10 m=29
